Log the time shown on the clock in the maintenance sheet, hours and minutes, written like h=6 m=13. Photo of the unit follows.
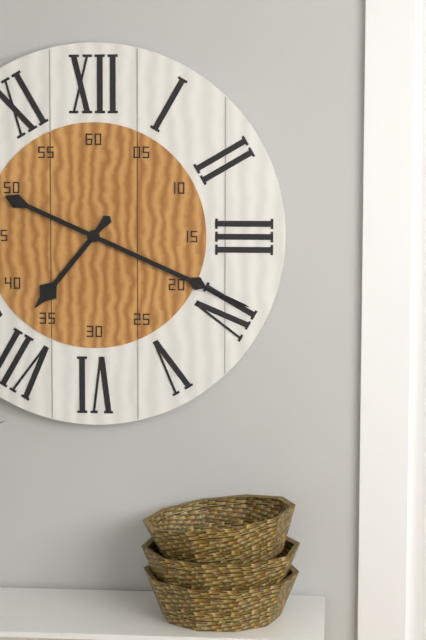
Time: h=7 m=19
